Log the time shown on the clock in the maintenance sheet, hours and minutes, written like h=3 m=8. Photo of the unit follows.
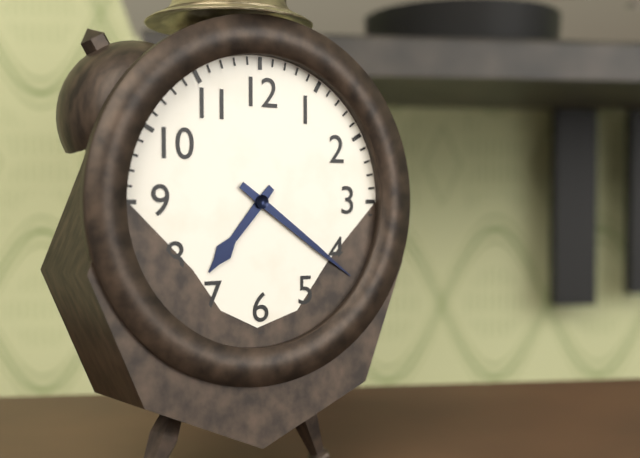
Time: h=7 m=21
